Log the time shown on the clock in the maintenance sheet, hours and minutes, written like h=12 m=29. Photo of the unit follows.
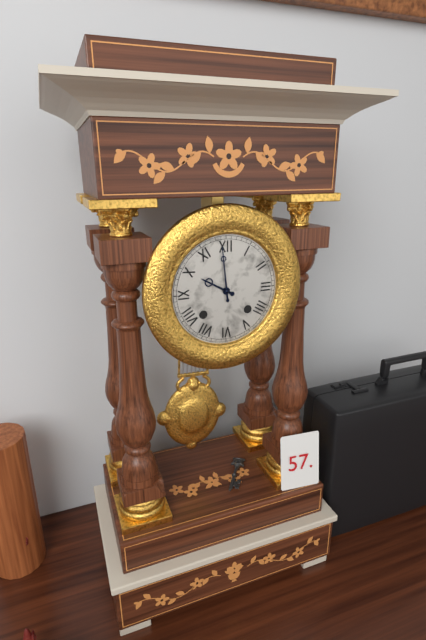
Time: h=9 m=59
